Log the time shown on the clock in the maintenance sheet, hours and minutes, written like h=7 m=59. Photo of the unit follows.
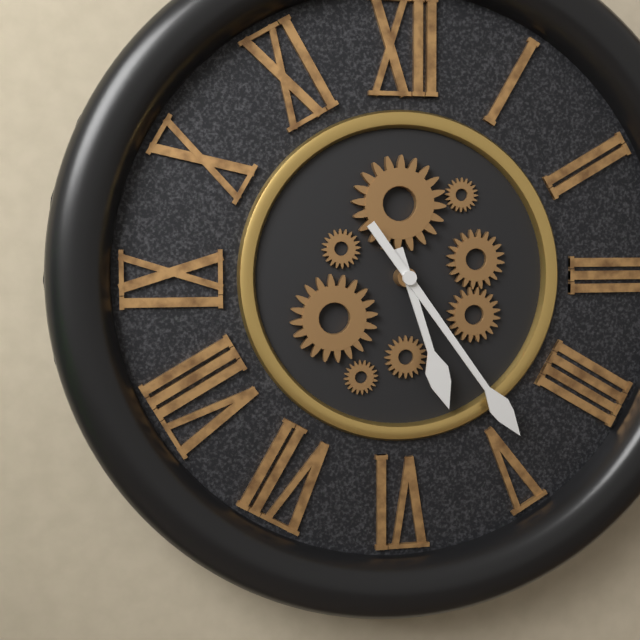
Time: h=5 m=24
